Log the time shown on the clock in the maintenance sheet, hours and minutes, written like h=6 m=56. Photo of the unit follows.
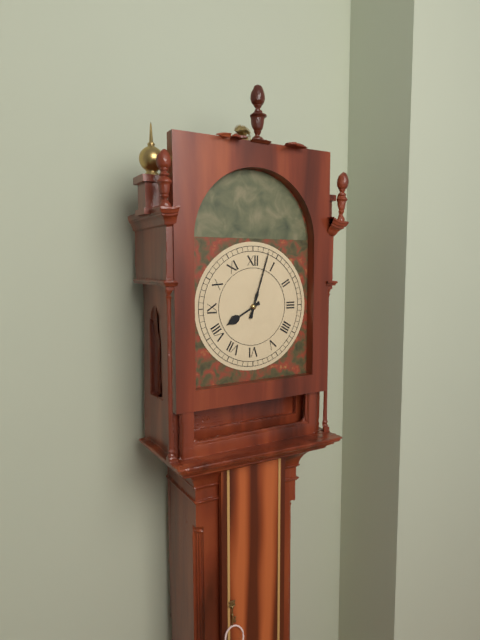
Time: h=8 m=3
